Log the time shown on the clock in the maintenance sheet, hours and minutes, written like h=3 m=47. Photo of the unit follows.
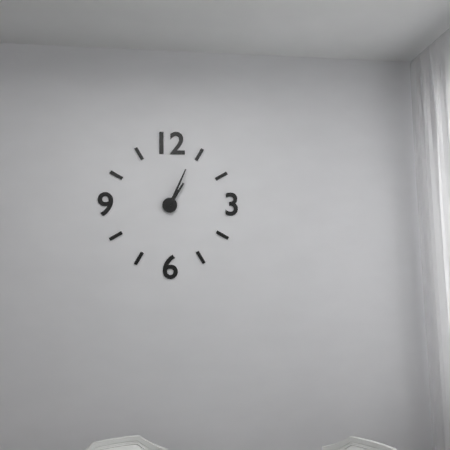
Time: h=1 m=4
